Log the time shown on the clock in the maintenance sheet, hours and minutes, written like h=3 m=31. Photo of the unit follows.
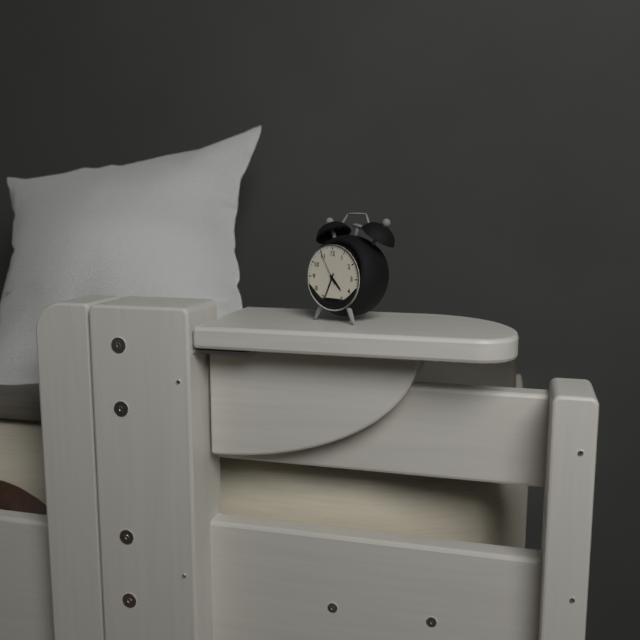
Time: h=4 m=34
